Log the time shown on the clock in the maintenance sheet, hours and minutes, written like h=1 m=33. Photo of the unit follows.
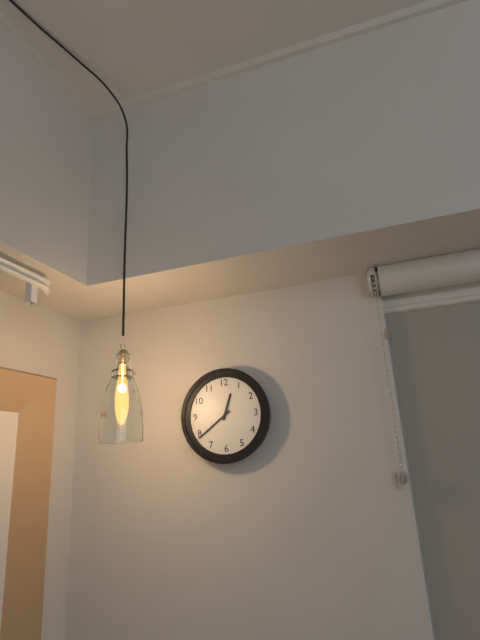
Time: h=12 m=39
